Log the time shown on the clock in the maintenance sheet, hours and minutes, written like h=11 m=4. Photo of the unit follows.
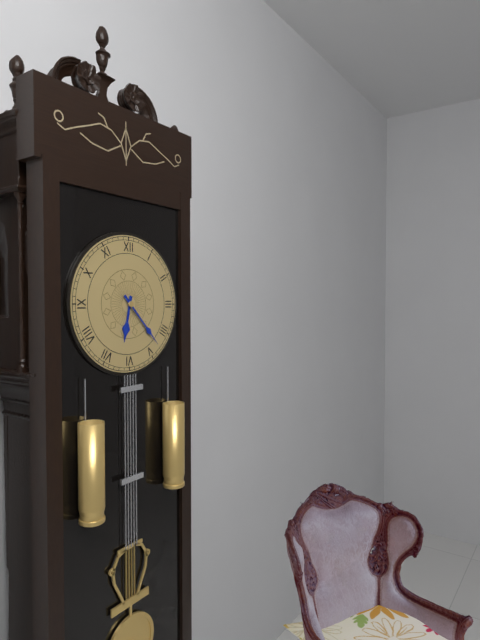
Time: h=6 m=23
